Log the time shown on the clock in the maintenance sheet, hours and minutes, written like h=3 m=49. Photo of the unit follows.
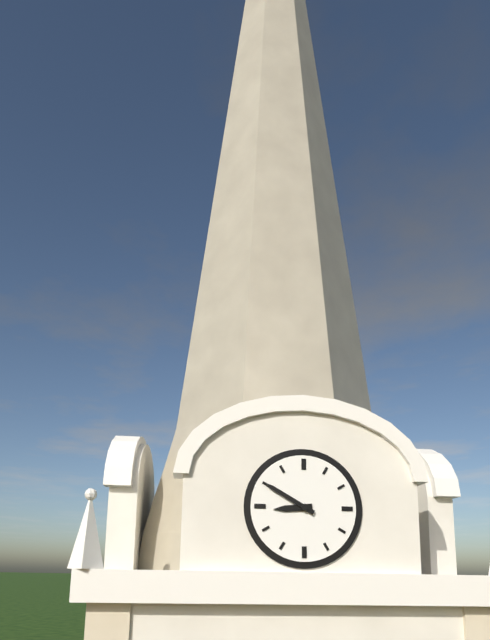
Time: h=8 m=50
